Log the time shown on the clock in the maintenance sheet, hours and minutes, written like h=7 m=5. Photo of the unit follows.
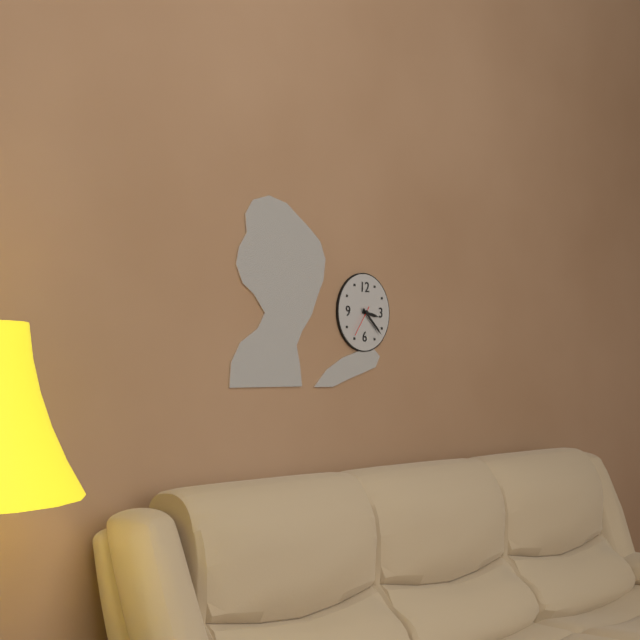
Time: h=3 m=22
